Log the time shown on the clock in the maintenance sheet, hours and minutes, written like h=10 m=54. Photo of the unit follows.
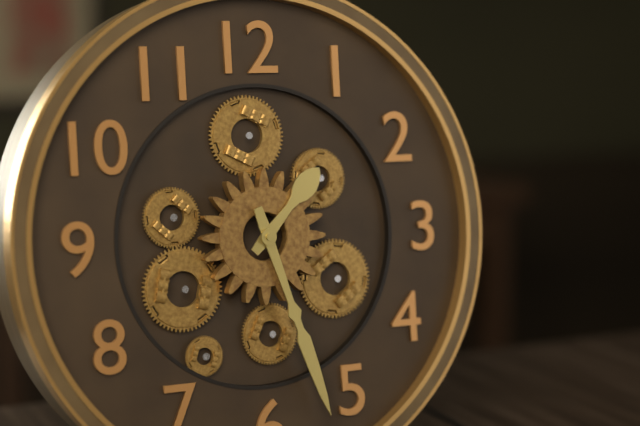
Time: h=1 m=27
